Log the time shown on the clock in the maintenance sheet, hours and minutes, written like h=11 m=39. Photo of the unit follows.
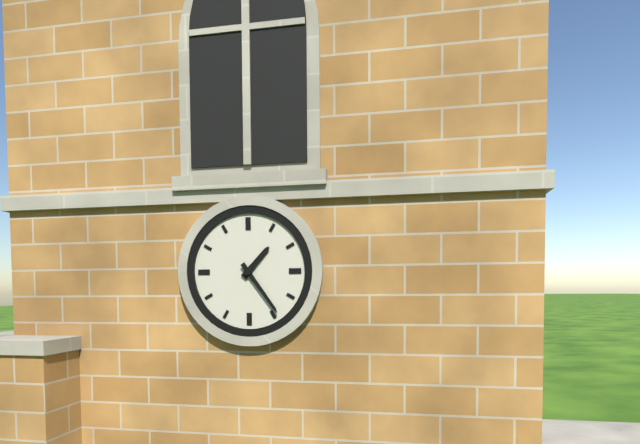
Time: h=1 m=24
